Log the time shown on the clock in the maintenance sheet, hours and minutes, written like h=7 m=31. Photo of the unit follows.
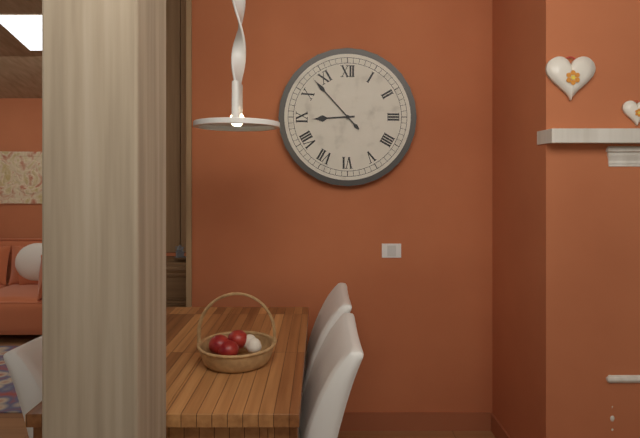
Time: h=8 m=53
